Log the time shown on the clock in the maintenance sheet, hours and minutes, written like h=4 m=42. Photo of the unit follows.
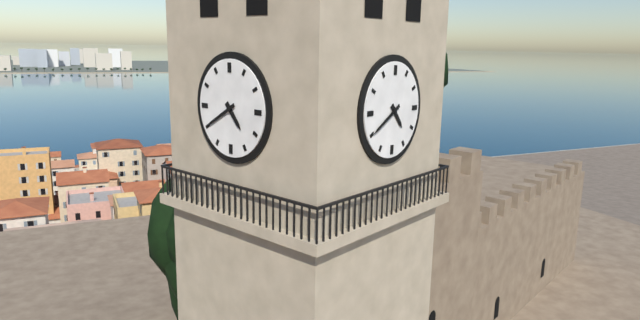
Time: h=4 m=40
